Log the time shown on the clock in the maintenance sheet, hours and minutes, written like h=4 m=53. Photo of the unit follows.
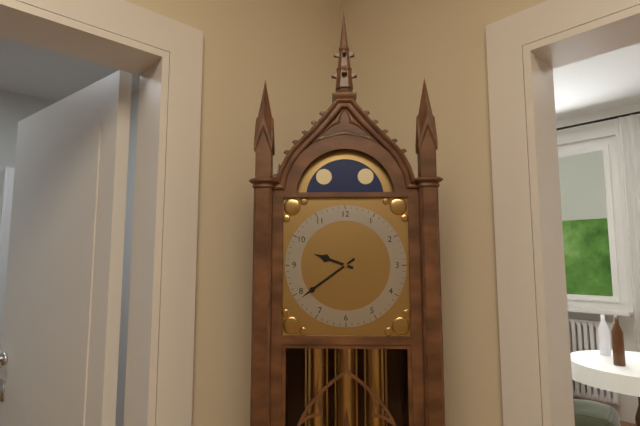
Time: h=9 m=39
